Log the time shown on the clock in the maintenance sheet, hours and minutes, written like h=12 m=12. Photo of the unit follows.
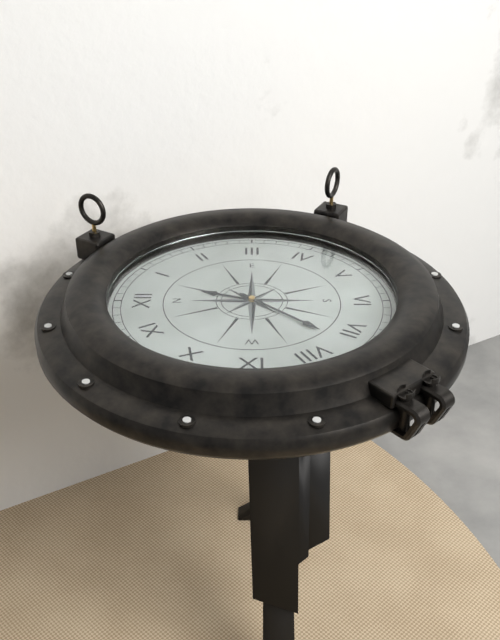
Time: h=12 m=37
